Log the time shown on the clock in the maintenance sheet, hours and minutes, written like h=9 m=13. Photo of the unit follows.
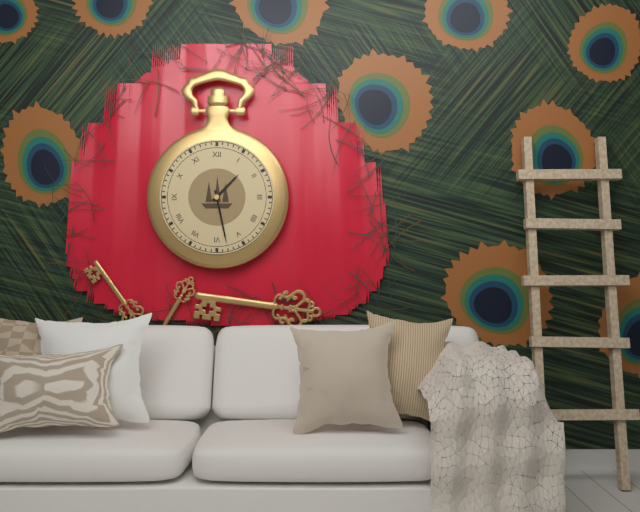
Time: h=1 m=28
